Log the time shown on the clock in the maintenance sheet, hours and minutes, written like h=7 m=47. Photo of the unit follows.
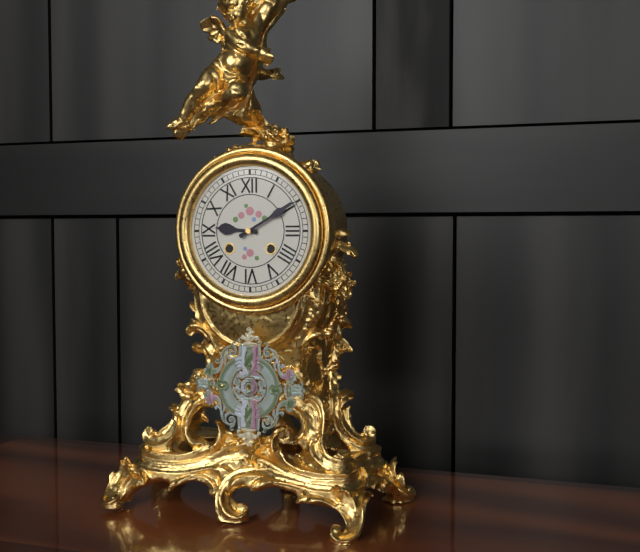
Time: h=9 m=10
